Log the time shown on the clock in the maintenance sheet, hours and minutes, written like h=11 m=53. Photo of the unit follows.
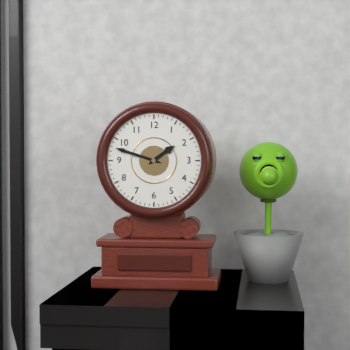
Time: h=1 m=48
